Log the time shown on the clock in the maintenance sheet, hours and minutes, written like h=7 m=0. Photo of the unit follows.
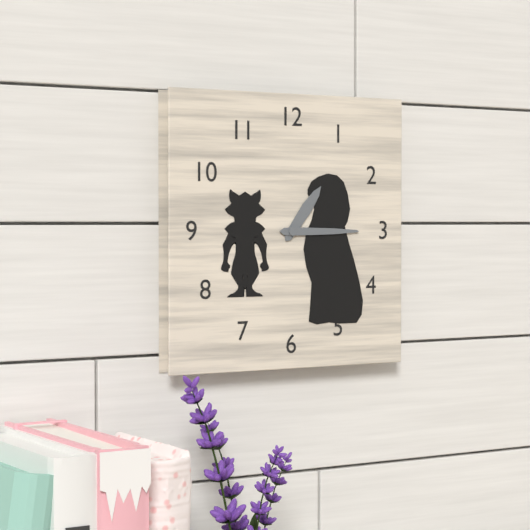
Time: h=1 m=15
